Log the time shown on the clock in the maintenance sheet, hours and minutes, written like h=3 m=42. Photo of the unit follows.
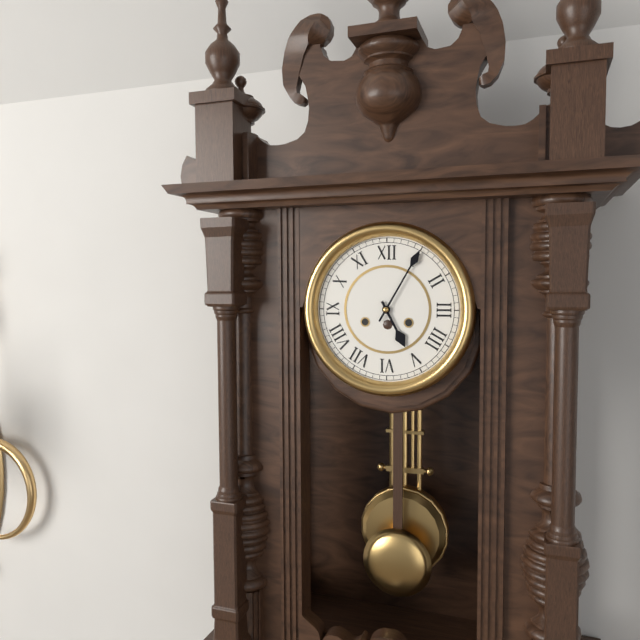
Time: h=5 m=5
